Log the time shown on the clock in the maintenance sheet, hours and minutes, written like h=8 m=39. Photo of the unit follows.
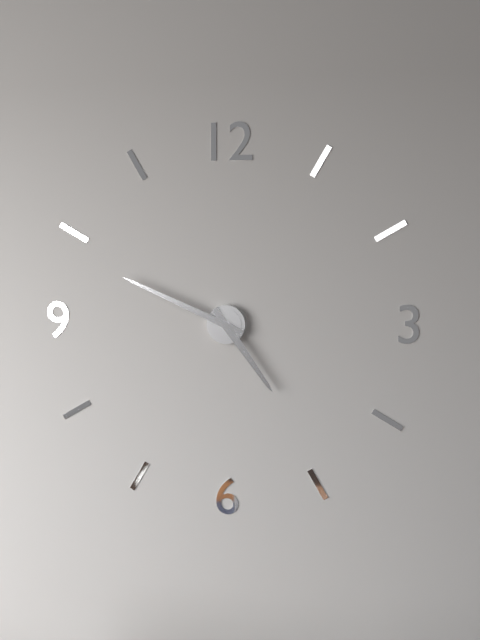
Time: h=4 m=49
